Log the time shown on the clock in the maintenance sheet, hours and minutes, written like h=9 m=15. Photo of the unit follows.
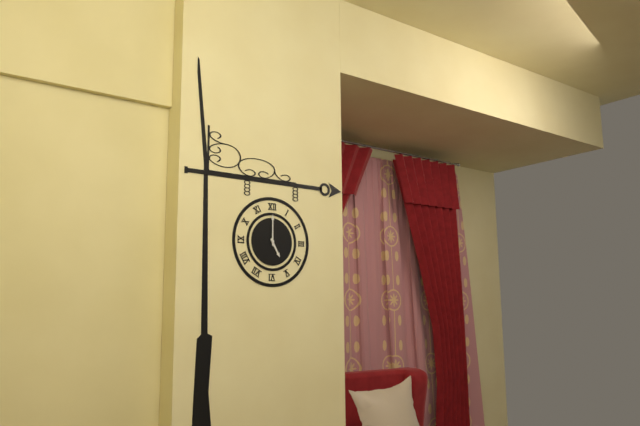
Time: h=5 m=0
